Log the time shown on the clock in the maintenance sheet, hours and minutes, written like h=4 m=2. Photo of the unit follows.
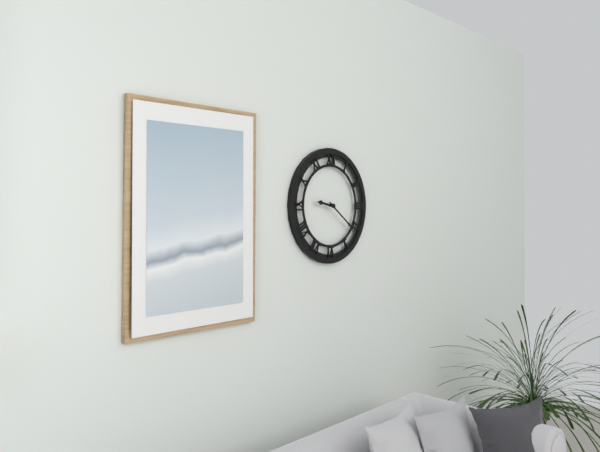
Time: h=9 m=21
